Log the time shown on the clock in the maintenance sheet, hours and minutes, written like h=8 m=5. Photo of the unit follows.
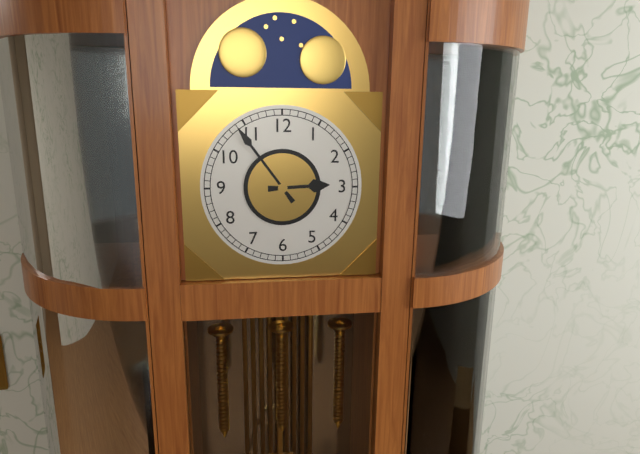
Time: h=2 m=54
